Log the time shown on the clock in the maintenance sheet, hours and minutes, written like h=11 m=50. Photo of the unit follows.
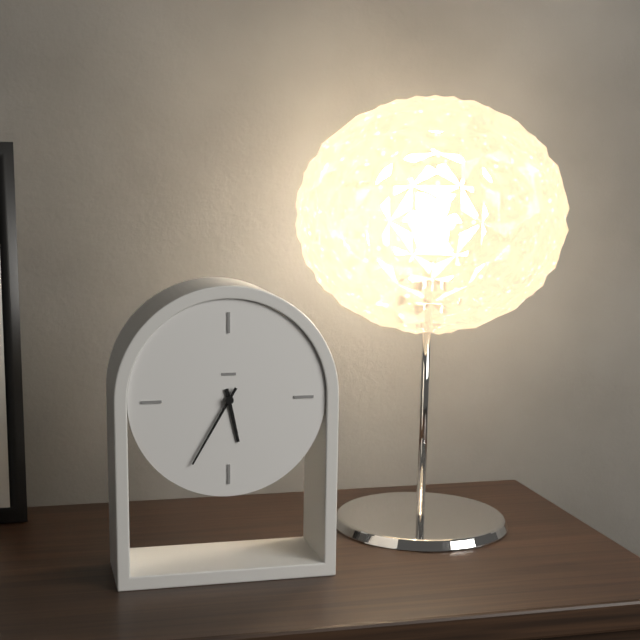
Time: h=5 m=35
